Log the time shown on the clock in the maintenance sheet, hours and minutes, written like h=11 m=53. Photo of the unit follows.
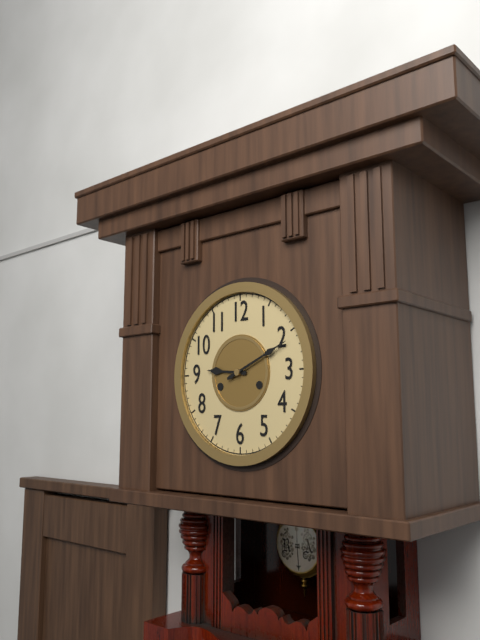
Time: h=9 m=11
